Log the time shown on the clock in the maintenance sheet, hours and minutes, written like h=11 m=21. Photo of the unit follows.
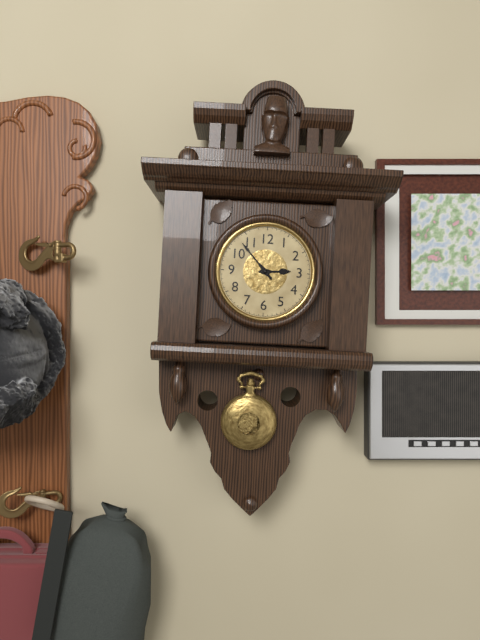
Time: h=2 m=53
